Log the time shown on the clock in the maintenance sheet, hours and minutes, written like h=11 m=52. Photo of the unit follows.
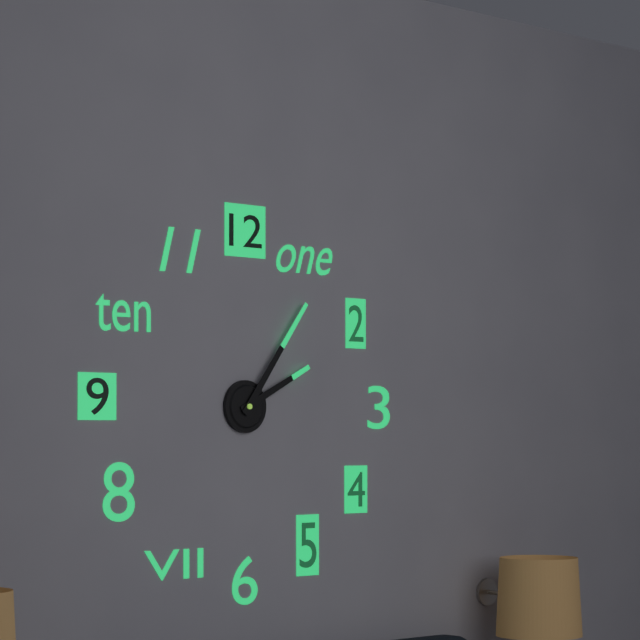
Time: h=2 m=6
